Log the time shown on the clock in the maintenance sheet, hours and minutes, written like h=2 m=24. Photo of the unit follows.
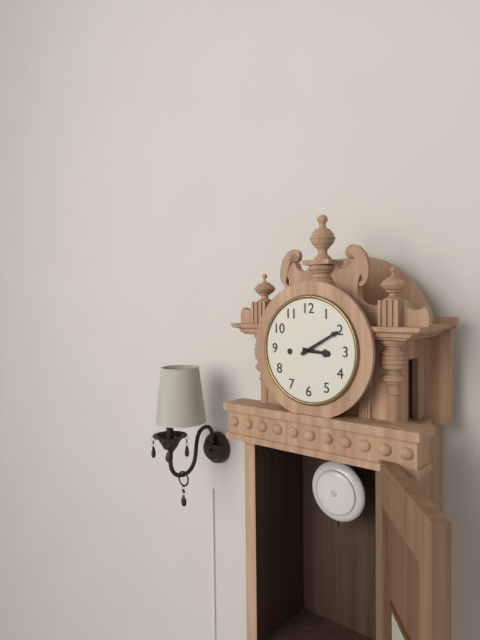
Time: h=3 m=10
